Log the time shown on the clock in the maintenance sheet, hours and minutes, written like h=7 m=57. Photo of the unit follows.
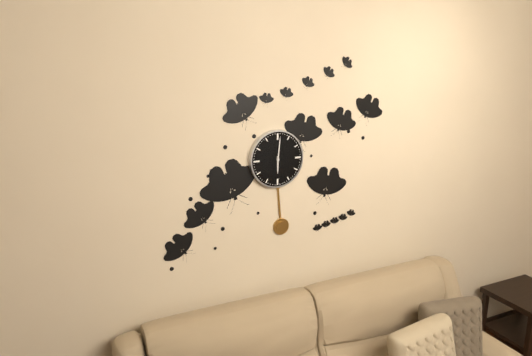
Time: h=6 m=1
